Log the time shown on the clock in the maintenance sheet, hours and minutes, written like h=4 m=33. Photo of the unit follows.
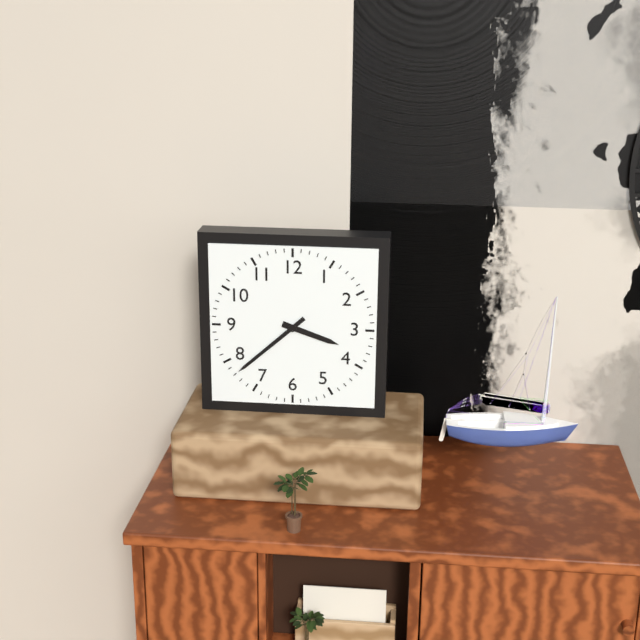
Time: h=3 m=38
